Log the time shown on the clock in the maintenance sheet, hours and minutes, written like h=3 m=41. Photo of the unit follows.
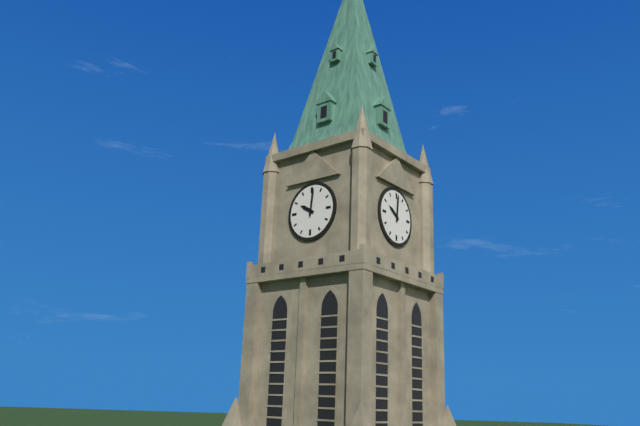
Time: h=10 m=1
